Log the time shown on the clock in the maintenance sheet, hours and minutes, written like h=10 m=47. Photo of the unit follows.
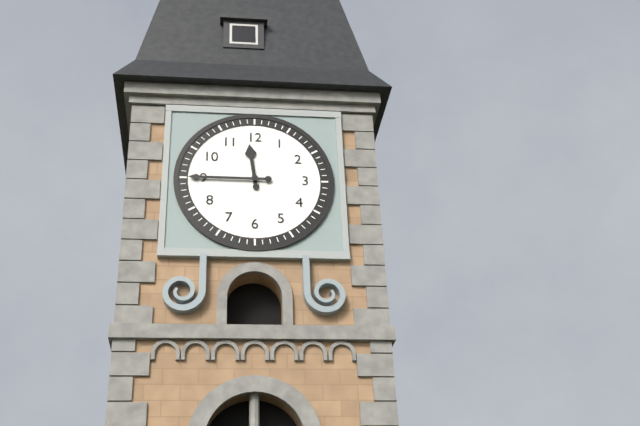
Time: h=11 m=45
